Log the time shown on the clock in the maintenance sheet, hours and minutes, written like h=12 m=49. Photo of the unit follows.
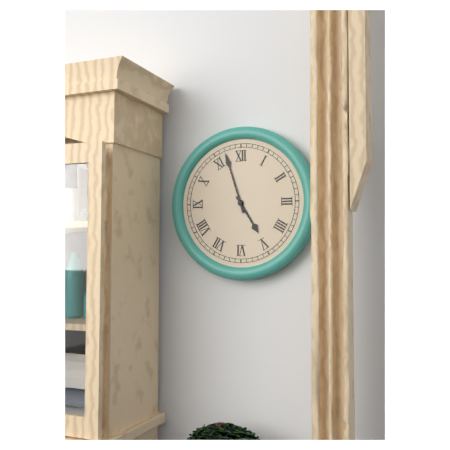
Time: h=4 m=57
